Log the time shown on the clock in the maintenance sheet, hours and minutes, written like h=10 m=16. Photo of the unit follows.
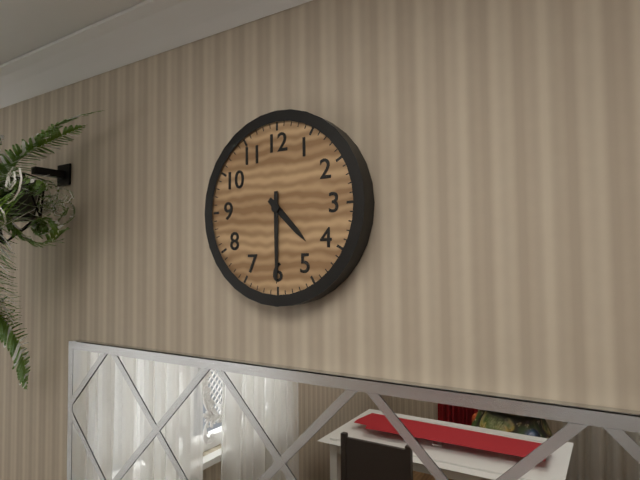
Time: h=4 m=30
